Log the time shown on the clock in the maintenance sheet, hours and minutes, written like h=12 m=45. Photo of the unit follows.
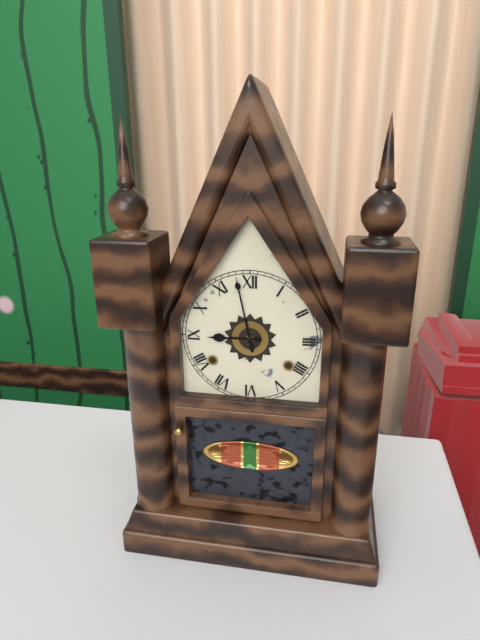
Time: h=8 m=58
